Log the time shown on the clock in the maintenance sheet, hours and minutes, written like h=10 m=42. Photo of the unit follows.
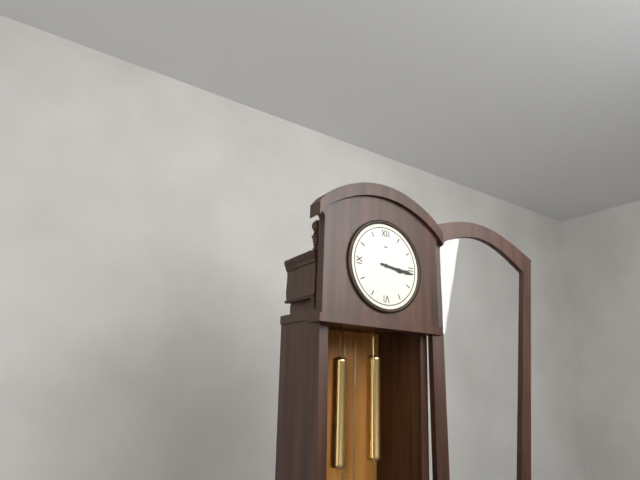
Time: h=3 m=16
